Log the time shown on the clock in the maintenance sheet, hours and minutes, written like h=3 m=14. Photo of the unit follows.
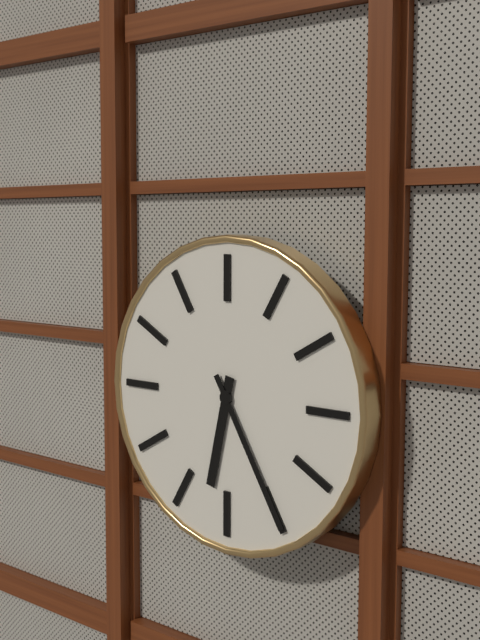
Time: h=6 m=25
